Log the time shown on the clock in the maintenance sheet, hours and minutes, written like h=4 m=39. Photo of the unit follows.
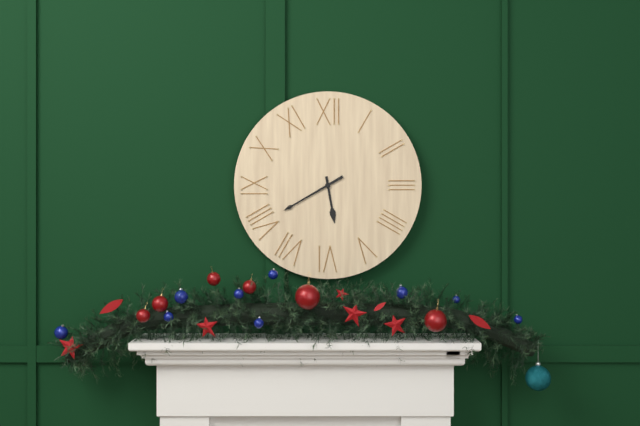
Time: h=5 m=40
